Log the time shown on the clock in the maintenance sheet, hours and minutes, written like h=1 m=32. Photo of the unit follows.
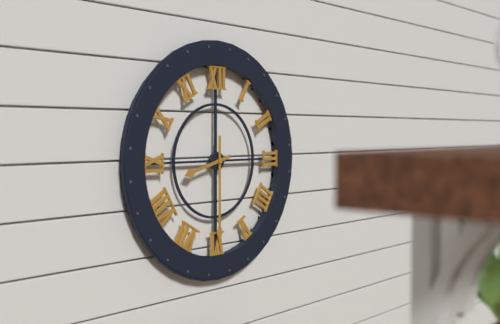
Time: h=8 m=30
